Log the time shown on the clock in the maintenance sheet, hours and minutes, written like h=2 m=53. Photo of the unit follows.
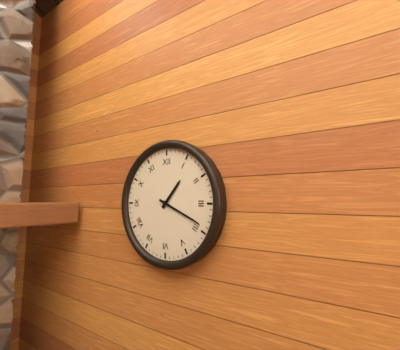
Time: h=1 m=19
